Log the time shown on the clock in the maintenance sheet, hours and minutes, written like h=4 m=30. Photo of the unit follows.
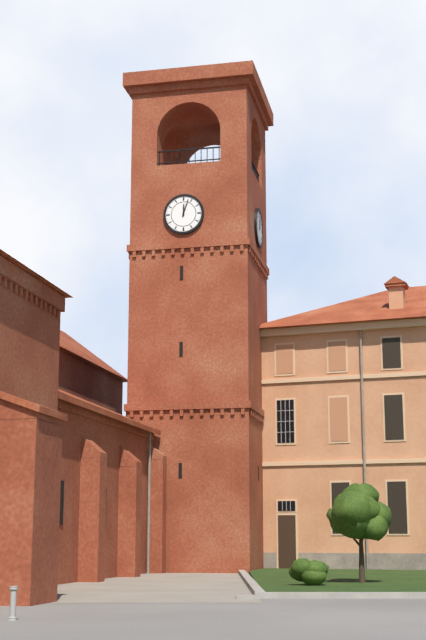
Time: h=12 m=3
